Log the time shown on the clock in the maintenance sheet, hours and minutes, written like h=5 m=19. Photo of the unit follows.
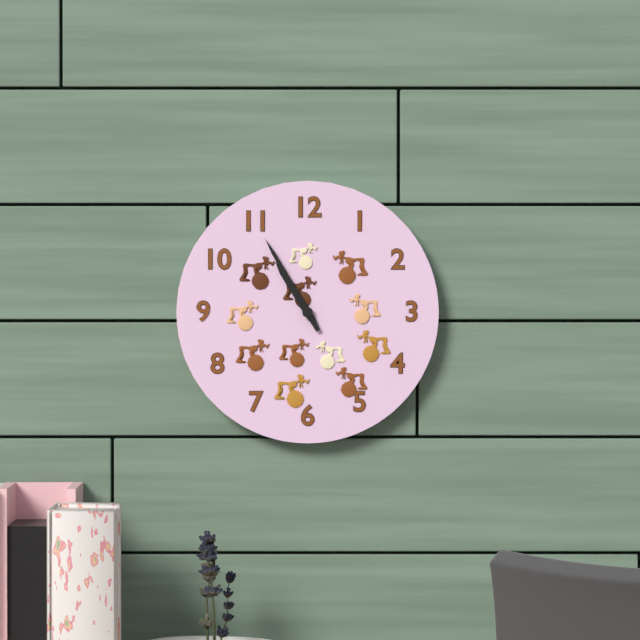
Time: h=10 m=55
